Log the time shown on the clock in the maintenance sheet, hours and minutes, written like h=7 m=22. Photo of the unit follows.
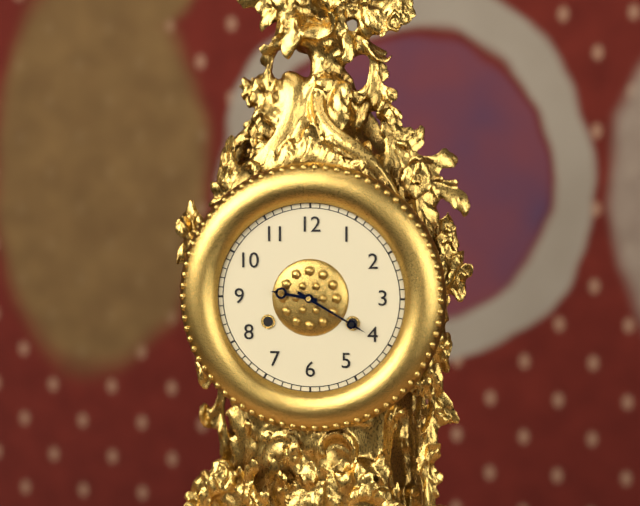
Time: h=9 m=20
